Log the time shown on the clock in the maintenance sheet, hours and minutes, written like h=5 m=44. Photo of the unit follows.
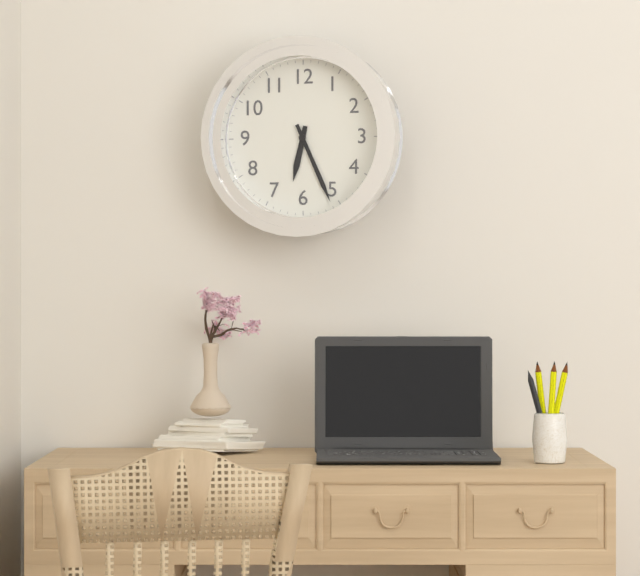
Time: h=6 m=26
